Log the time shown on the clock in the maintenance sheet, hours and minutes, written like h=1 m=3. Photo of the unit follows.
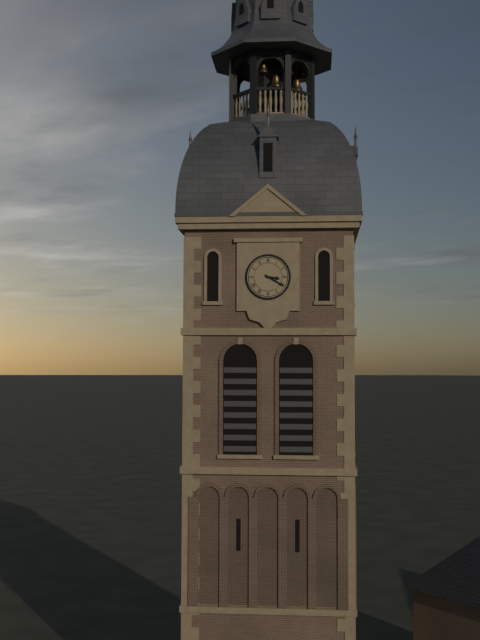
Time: h=3 m=20
